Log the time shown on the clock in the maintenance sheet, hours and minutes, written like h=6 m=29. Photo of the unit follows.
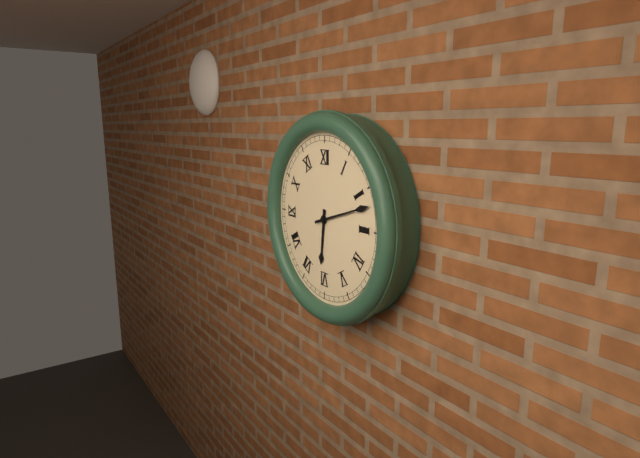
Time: h=6 m=12
